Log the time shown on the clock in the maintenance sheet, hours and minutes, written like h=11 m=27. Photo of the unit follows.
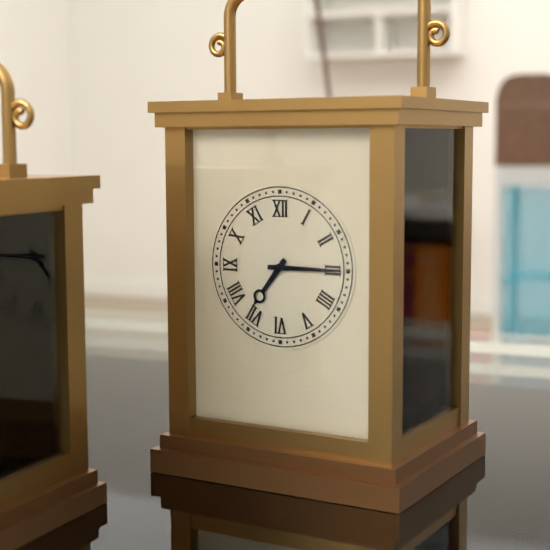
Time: h=7 m=15
